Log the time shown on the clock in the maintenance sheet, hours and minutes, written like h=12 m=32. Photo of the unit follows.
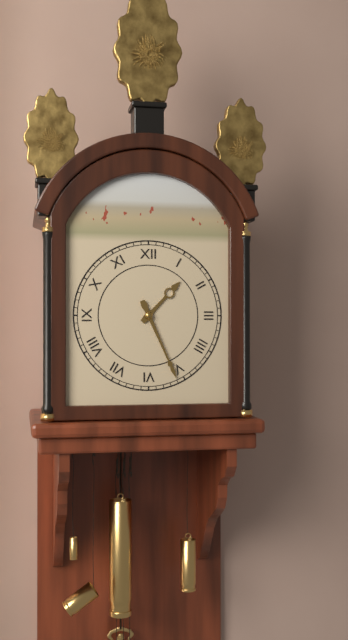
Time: h=1 m=26
